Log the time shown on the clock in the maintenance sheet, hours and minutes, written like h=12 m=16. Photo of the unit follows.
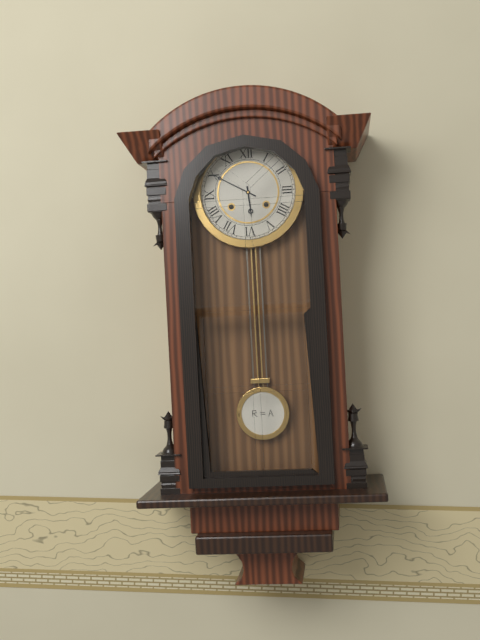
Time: h=5 m=50
